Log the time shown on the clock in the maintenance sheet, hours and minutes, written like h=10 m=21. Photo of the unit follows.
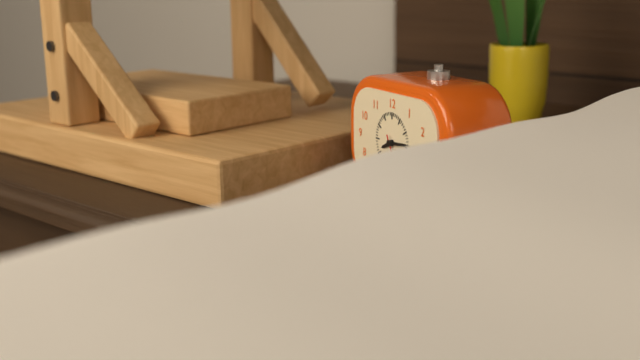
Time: h=8 m=14
